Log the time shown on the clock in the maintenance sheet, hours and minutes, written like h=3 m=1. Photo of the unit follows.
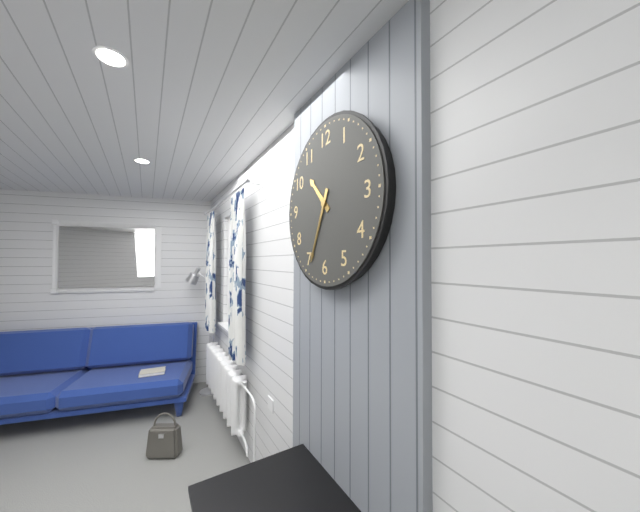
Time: h=10 m=34
